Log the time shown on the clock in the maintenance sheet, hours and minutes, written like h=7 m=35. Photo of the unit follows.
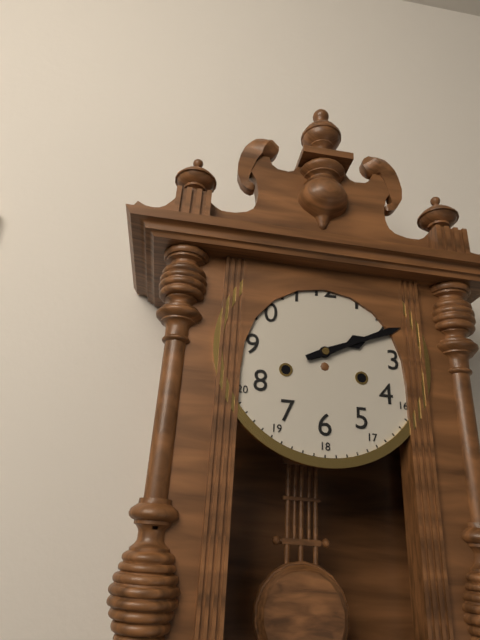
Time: h=2 m=11
